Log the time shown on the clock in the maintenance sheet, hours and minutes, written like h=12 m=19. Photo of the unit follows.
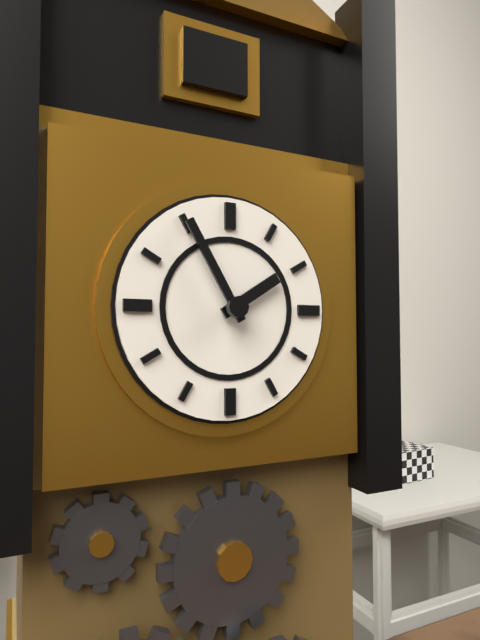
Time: h=1 m=55
